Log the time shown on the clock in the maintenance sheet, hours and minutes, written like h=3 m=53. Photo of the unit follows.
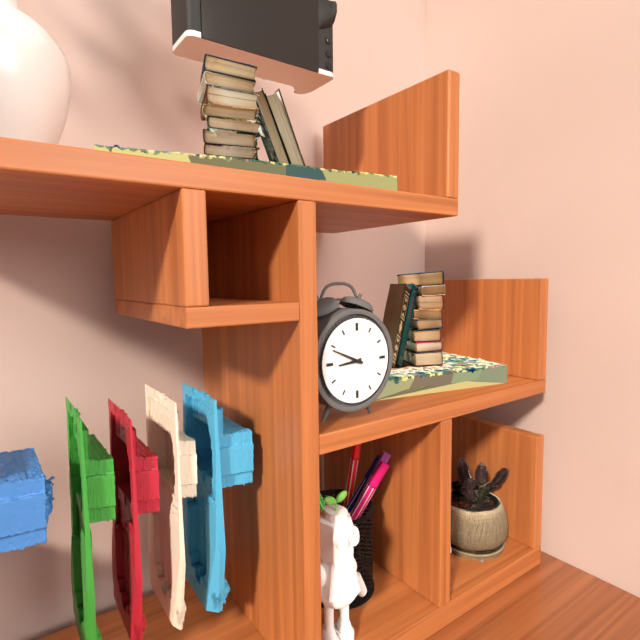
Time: h=8 m=49
